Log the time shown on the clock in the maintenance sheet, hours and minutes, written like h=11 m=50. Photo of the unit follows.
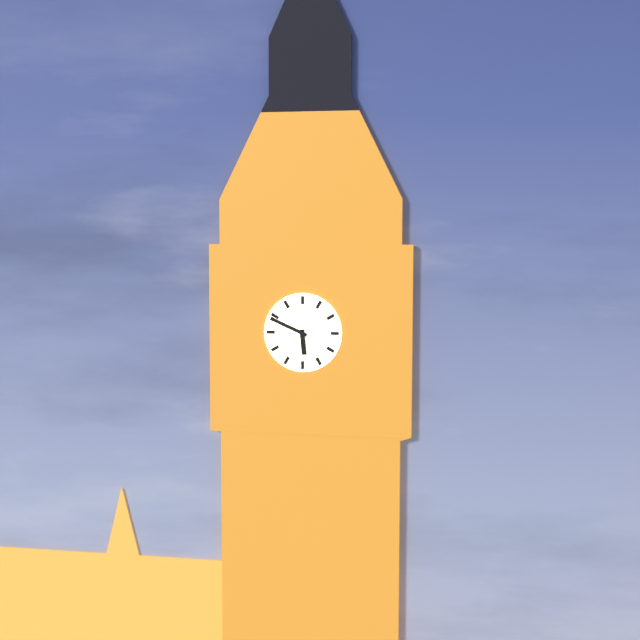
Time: h=5 m=49
